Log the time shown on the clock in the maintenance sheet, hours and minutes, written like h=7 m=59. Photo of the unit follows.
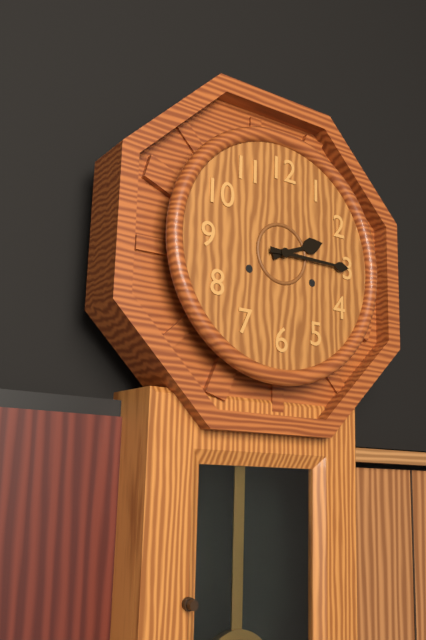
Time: h=2 m=15
